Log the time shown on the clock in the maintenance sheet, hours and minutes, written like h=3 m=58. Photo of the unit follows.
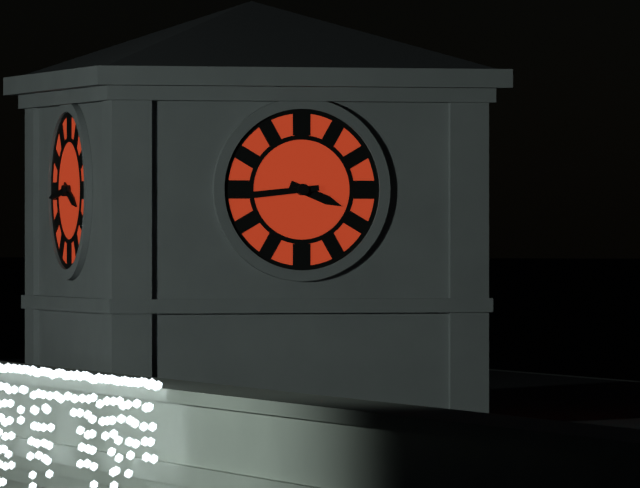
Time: h=3 m=44
